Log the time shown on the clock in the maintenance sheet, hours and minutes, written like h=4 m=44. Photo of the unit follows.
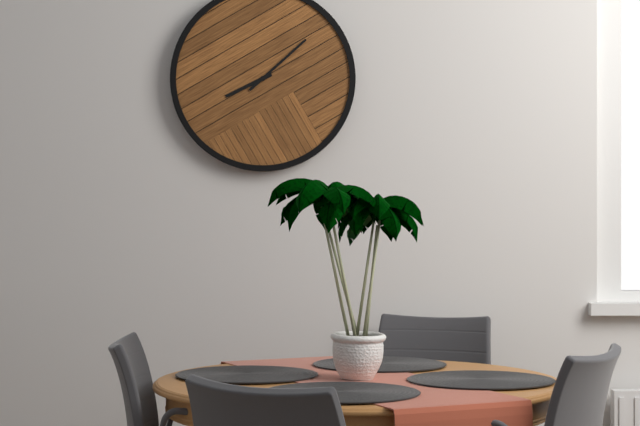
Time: h=8 m=8
